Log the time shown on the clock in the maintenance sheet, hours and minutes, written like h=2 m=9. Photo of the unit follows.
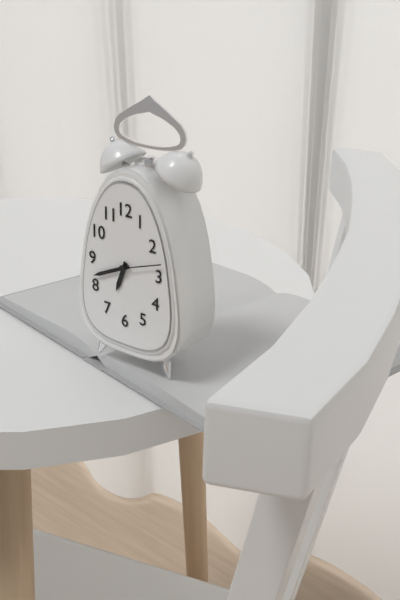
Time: h=6 m=41
